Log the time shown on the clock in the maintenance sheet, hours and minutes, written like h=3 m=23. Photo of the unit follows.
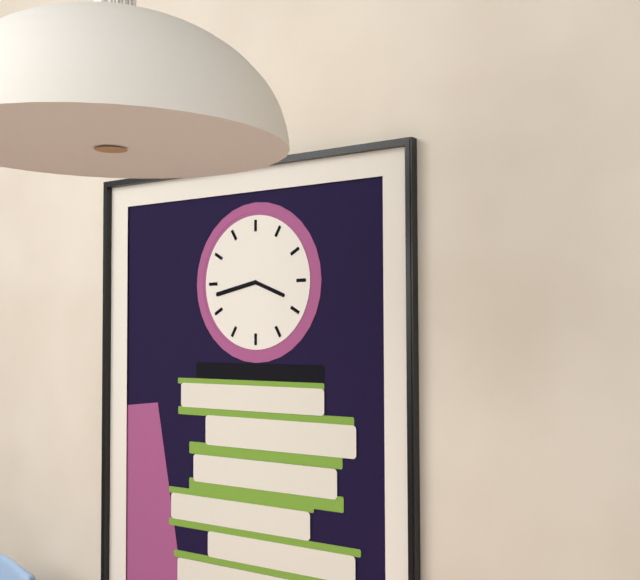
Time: h=3 m=43
